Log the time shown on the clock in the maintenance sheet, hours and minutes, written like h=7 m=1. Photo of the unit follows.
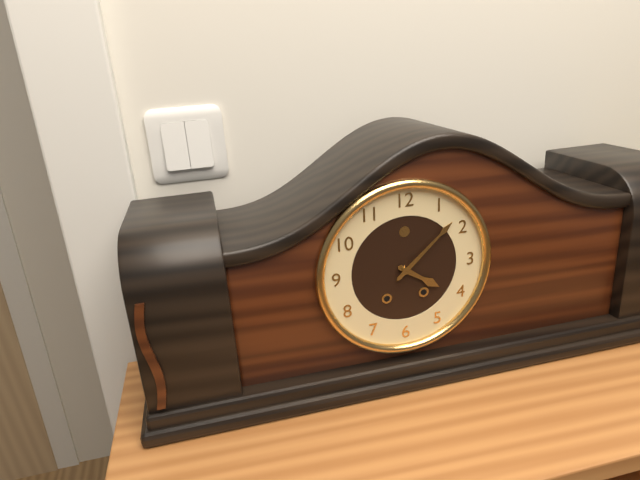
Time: h=4 m=8
